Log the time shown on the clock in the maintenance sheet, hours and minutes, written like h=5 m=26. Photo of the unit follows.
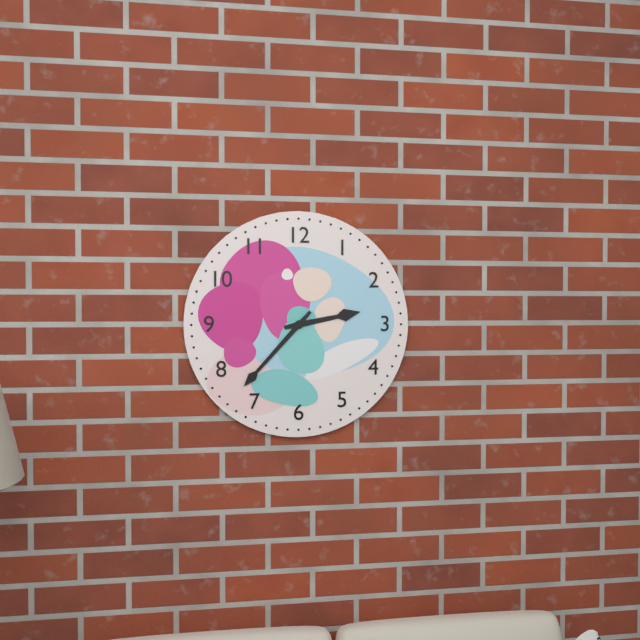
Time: h=2 m=37
